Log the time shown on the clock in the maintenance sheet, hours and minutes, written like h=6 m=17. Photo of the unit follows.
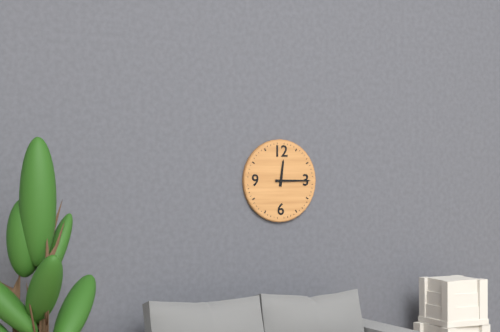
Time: h=12 m=15
